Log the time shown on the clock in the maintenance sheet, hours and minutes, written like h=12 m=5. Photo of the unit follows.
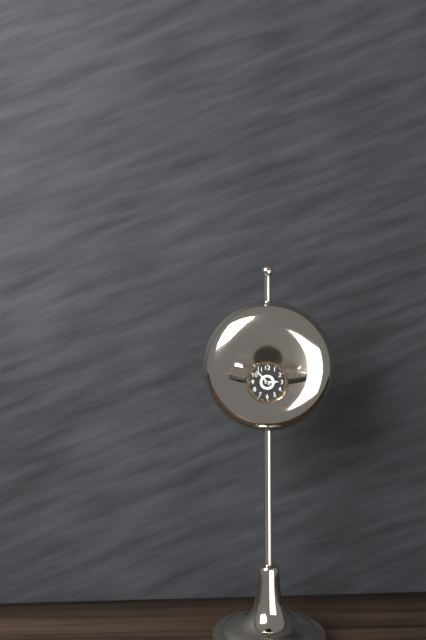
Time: h=2 m=53
